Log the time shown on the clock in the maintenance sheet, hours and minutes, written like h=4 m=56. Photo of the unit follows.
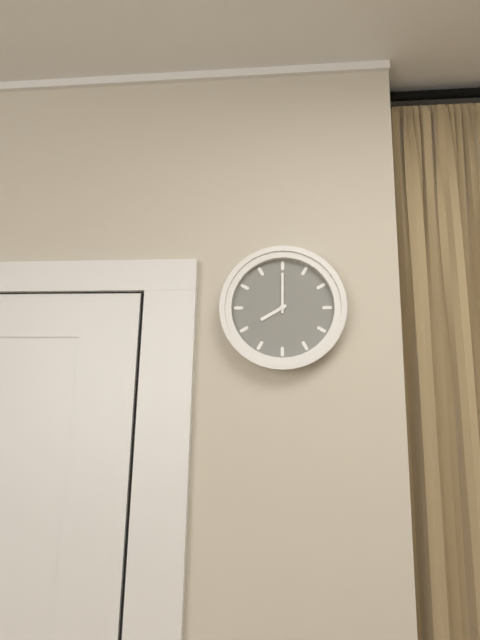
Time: h=8 m=0
